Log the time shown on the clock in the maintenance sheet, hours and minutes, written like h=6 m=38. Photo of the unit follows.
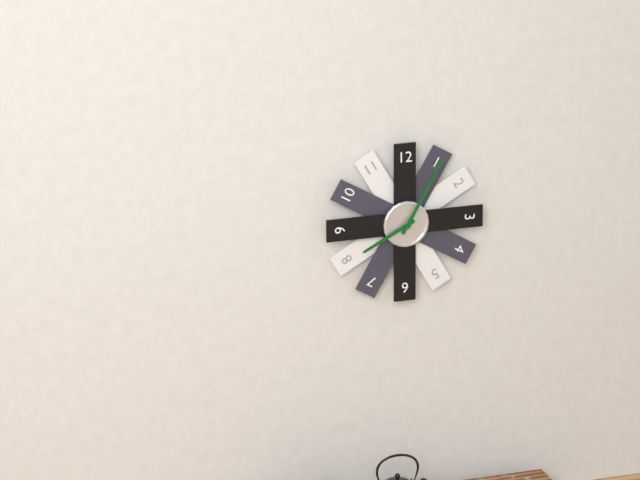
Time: h=8 m=5
